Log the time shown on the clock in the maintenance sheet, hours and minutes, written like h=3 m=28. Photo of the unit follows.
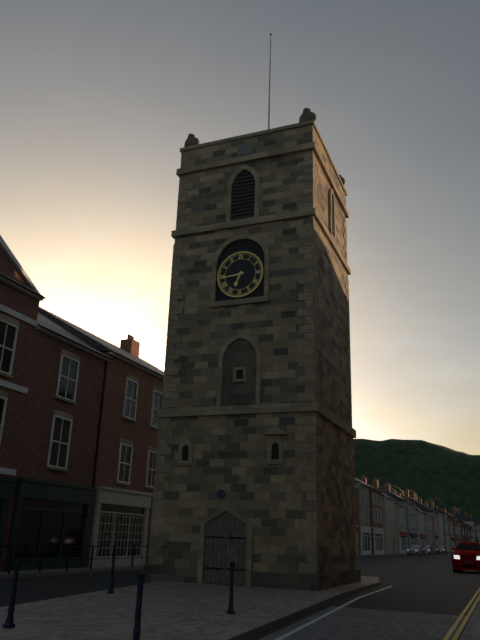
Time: h=6 m=44
